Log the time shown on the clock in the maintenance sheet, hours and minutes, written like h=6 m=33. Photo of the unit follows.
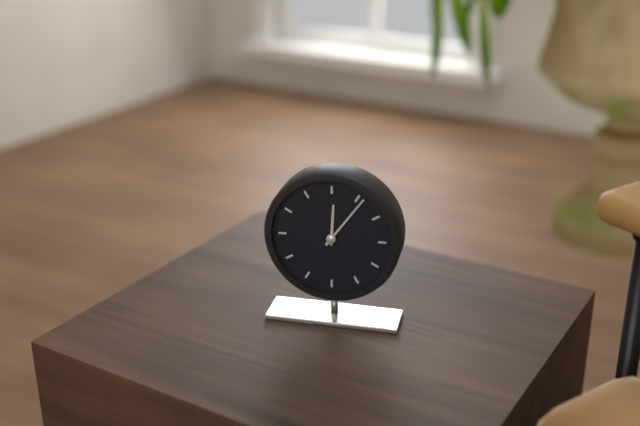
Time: h=12 m=6
